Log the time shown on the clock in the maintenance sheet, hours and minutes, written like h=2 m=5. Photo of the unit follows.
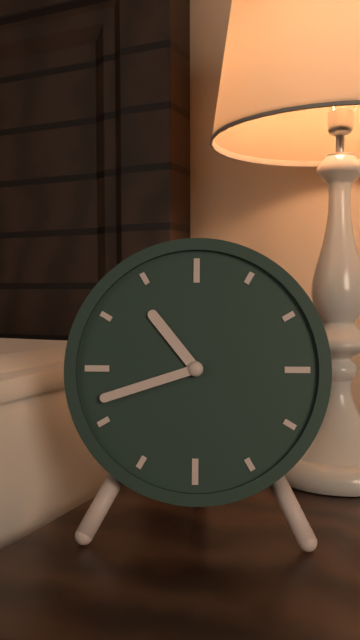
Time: h=10 m=42
